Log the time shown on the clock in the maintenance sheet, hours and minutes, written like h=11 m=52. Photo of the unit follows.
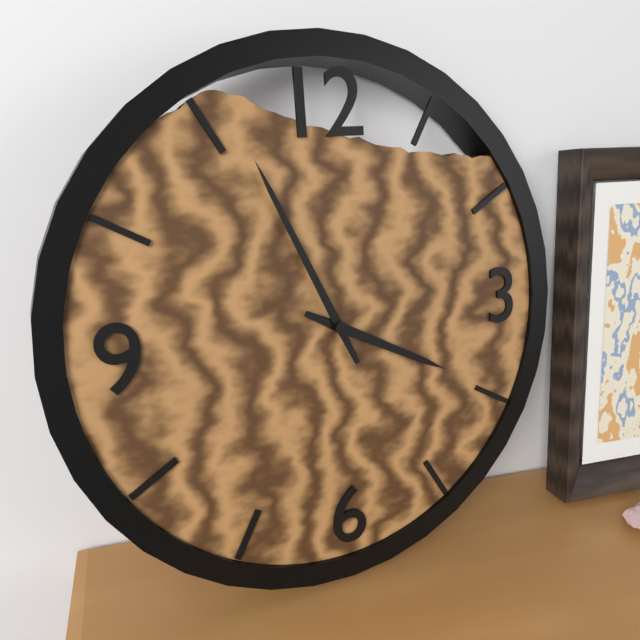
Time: h=3 m=56
